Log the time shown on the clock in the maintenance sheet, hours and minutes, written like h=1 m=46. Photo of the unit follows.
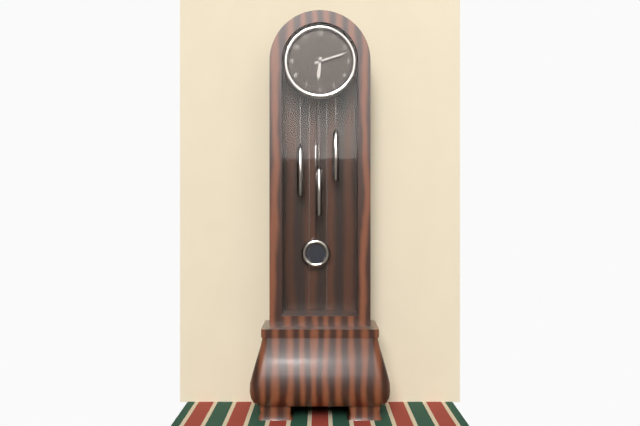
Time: h=6 m=12
